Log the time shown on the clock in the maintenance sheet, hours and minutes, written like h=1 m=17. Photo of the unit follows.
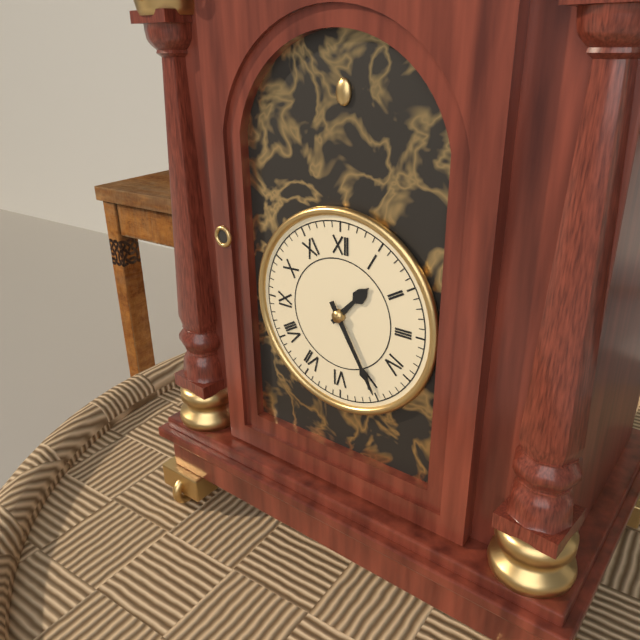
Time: h=1 m=25
